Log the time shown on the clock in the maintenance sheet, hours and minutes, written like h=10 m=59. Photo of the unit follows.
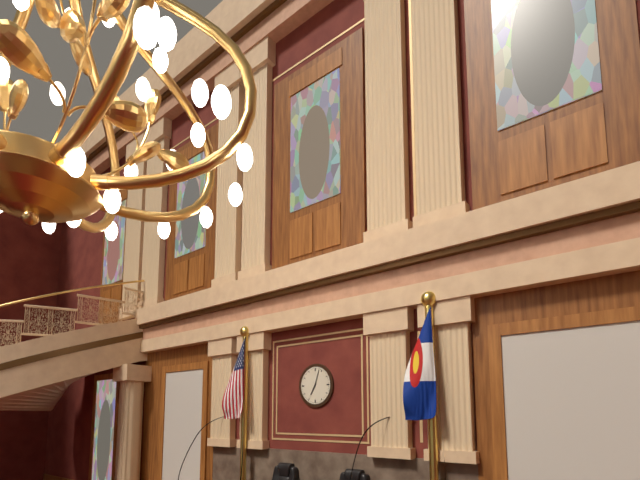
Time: h=7 m=3
